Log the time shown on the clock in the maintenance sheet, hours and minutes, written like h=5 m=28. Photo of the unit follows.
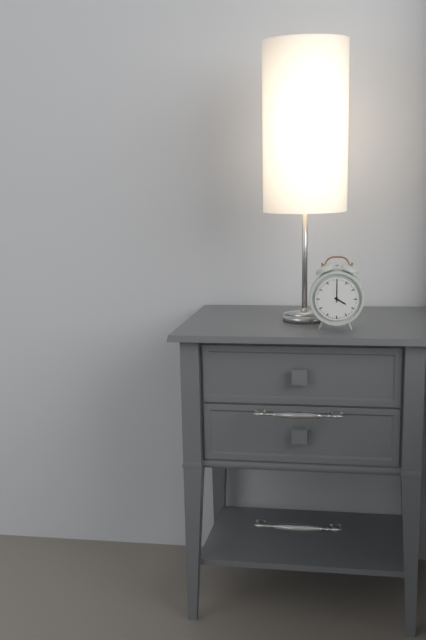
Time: h=4 m=0
